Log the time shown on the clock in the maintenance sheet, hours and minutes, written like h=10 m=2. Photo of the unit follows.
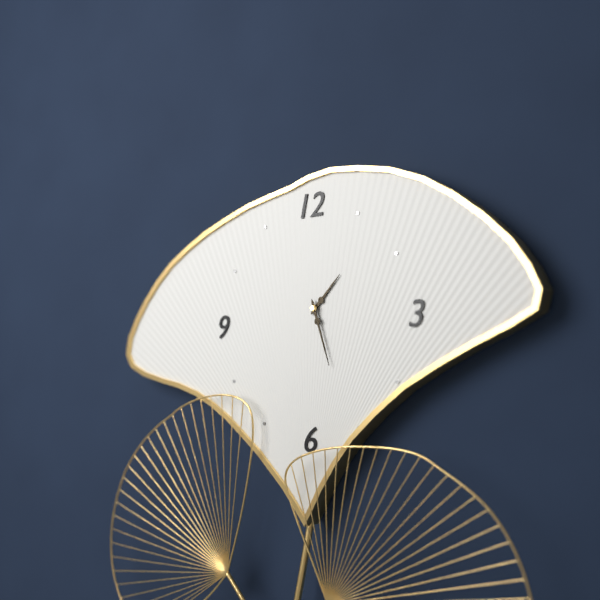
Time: h=1 m=27
